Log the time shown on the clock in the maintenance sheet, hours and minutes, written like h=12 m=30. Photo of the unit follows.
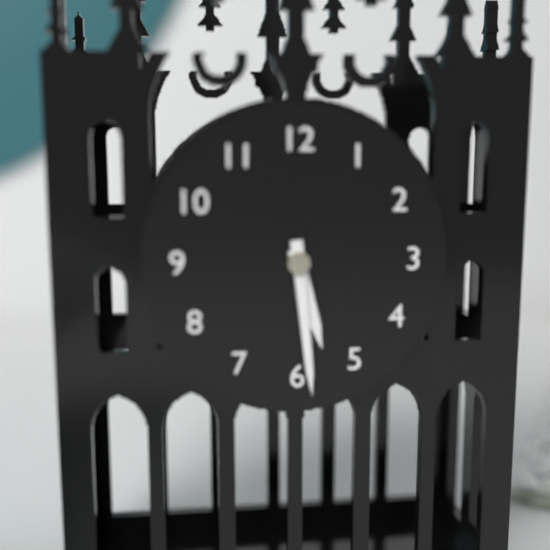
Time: h=5 m=29
